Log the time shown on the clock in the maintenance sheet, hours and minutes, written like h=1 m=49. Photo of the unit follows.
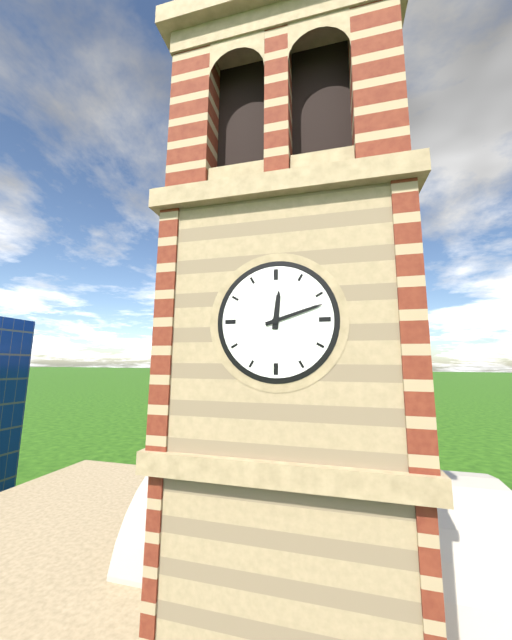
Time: h=12 m=12
